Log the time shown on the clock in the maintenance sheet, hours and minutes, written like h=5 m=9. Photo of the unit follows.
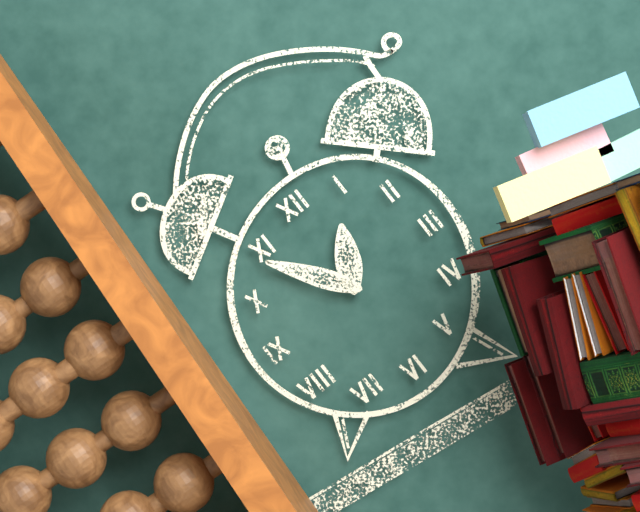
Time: h=12 m=54
